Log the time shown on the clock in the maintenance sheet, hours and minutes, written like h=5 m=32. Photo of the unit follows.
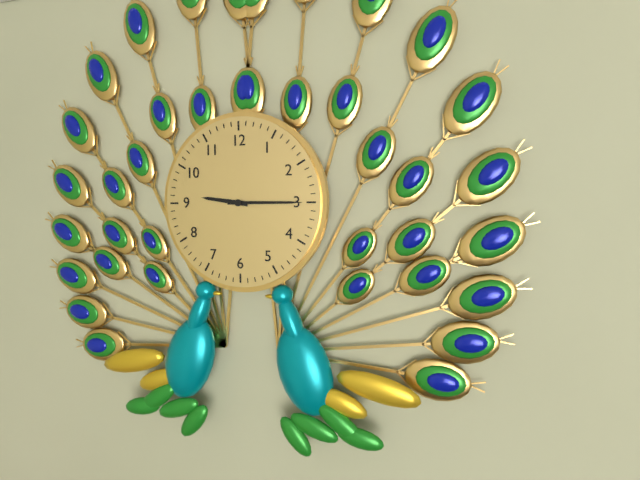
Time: h=9 m=15
